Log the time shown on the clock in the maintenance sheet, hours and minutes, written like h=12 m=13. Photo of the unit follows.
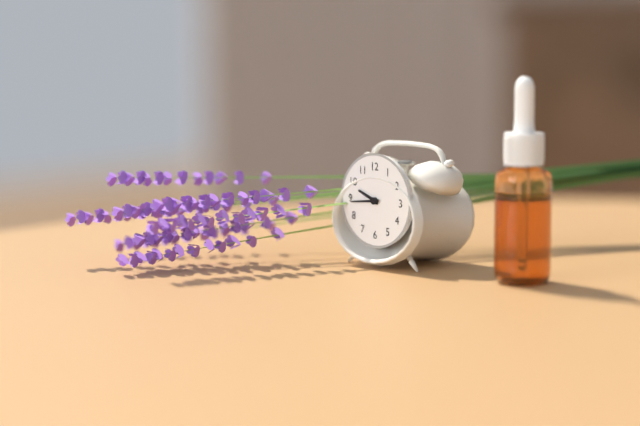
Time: h=9 m=44
